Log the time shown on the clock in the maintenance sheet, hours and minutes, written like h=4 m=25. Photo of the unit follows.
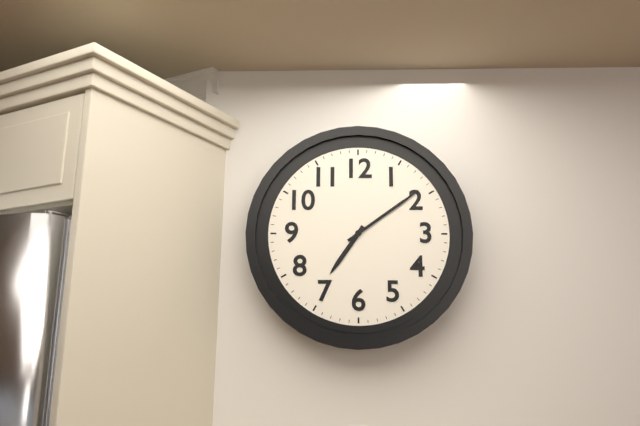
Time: h=7 m=9
